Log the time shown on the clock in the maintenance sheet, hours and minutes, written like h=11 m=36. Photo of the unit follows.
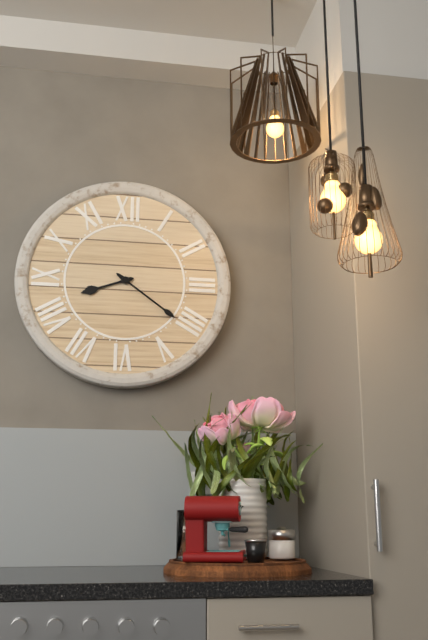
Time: h=8 m=21
